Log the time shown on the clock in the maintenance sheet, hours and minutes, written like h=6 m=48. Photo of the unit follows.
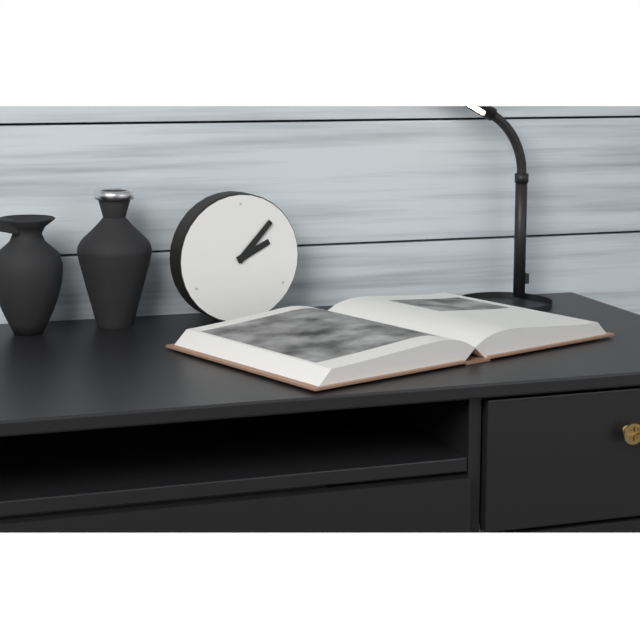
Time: h=2 m=7
